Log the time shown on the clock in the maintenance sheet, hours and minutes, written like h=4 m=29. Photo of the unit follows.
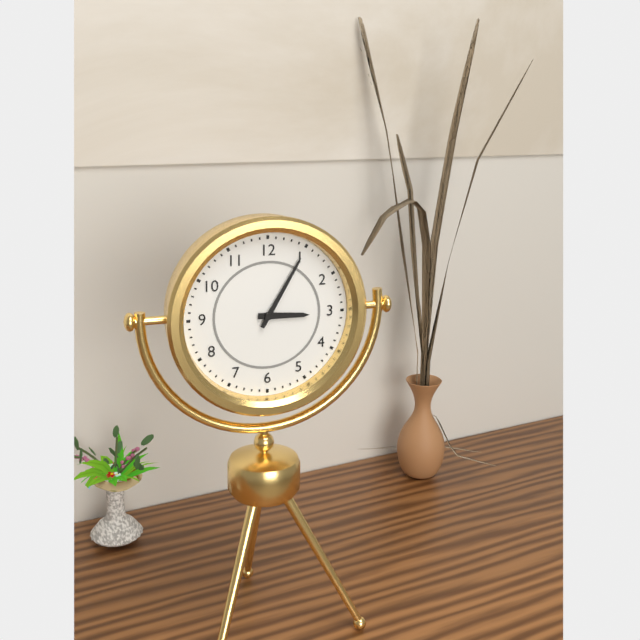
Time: h=3 m=5
